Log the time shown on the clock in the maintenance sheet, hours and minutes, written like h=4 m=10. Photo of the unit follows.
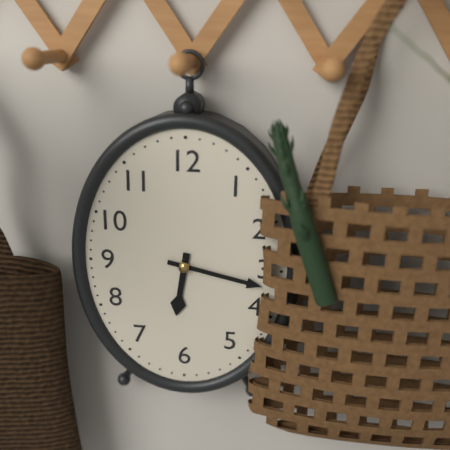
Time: h=6 m=17
